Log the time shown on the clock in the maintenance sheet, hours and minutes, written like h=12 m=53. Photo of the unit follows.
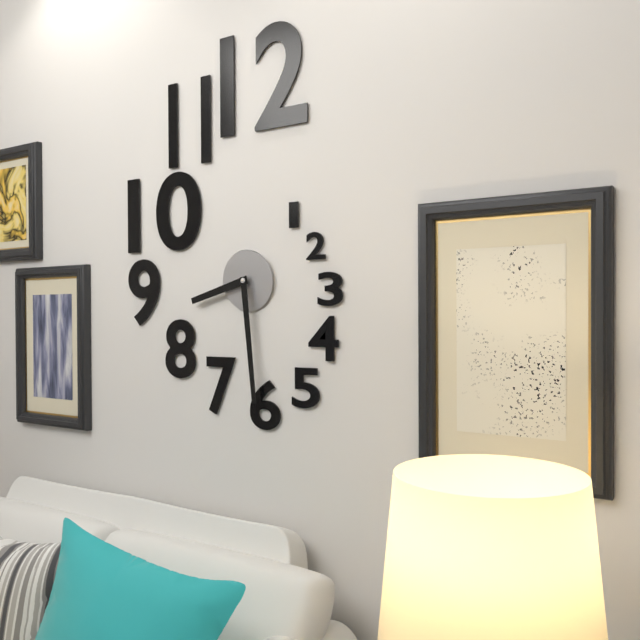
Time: h=8 m=29
